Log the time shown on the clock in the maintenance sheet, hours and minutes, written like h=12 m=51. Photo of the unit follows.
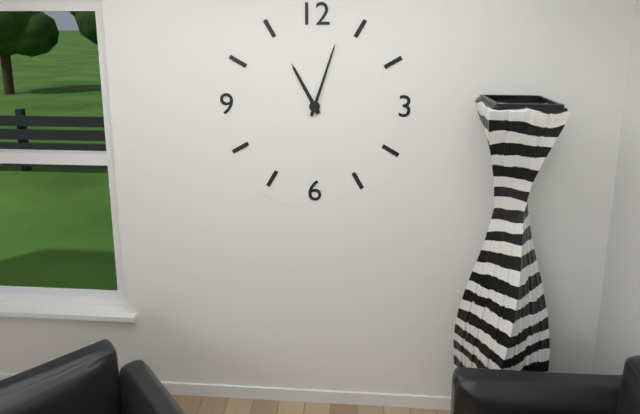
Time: h=11 m=3
